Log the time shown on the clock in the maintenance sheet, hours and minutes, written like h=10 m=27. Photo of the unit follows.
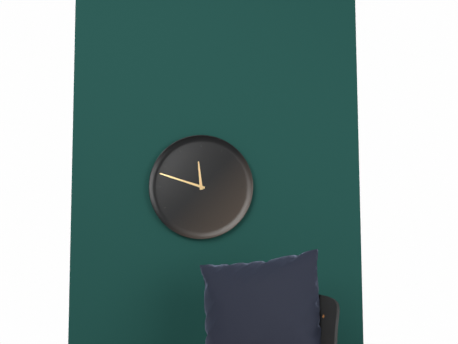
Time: h=11 m=48
